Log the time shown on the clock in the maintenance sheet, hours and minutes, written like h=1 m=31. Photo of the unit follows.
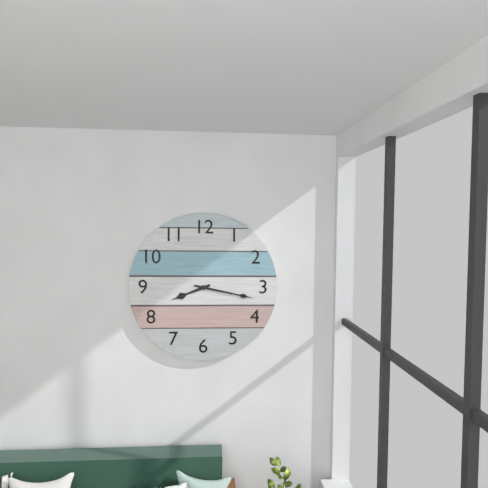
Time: h=8 m=17
